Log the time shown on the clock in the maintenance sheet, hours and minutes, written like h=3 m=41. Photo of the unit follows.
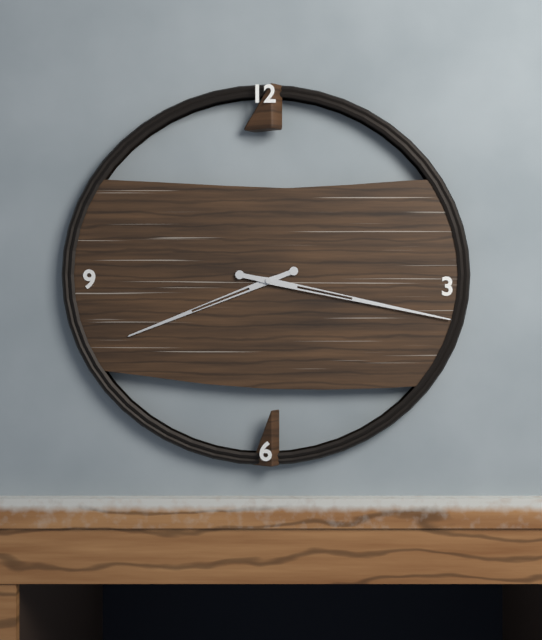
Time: h=8 m=17
